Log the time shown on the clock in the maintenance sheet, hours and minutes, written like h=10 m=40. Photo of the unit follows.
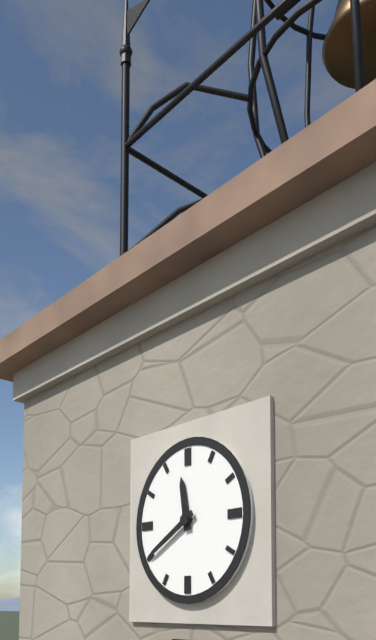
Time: h=11 m=40
